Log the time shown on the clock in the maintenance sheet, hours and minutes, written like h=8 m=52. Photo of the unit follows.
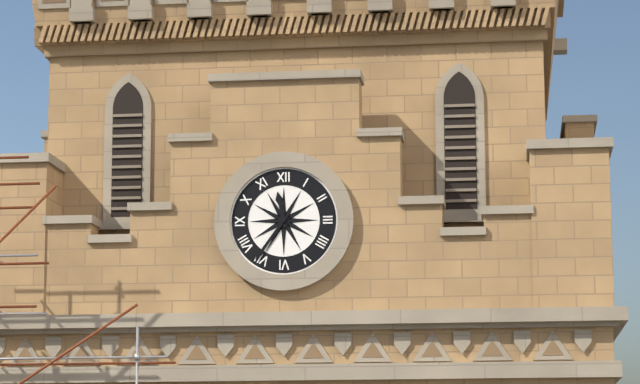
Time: h=11 m=36
